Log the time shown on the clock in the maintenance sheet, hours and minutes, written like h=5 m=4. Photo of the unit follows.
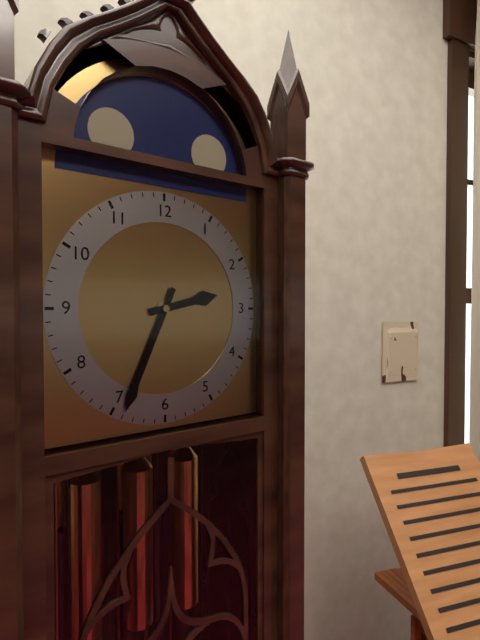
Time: h=2 m=34
